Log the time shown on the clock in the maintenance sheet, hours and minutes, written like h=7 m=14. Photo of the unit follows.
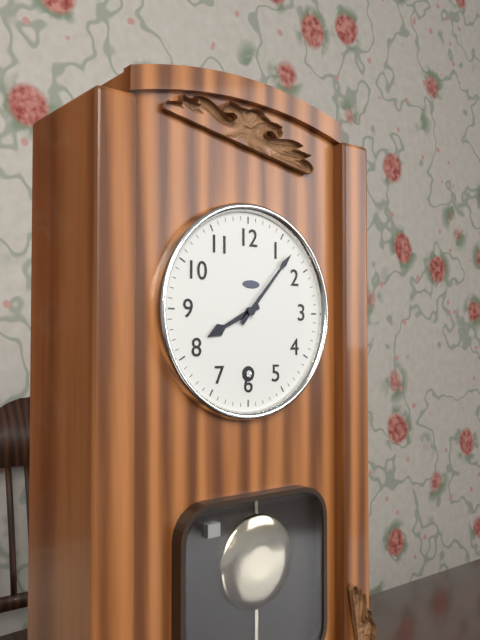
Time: h=8 m=7
